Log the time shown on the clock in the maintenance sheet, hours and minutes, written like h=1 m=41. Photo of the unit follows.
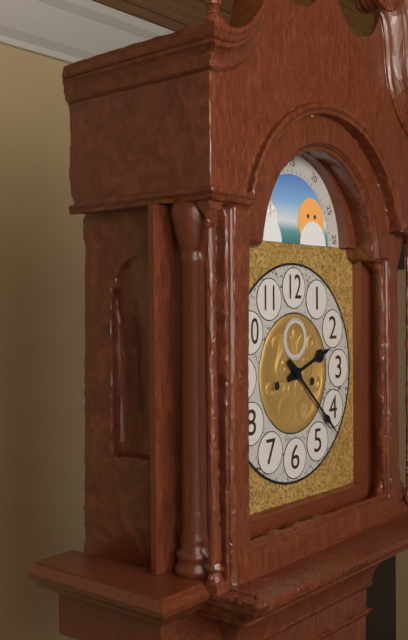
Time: h=2 m=22
